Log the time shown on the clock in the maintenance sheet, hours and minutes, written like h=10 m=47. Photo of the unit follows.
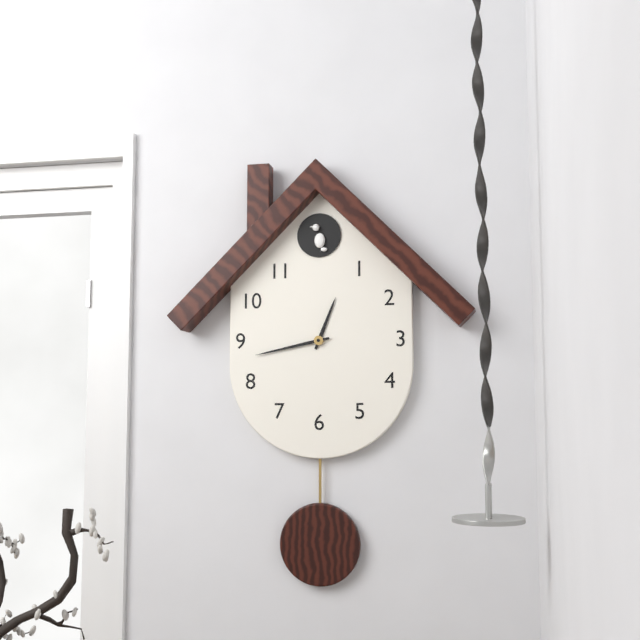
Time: h=12 m=43
